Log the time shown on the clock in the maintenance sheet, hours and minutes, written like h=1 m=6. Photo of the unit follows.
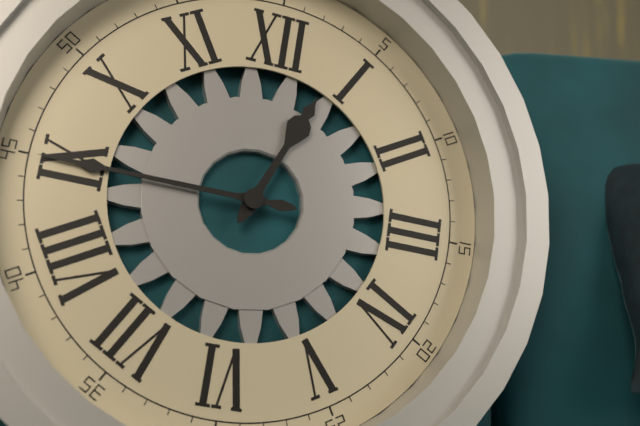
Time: h=12 m=45
